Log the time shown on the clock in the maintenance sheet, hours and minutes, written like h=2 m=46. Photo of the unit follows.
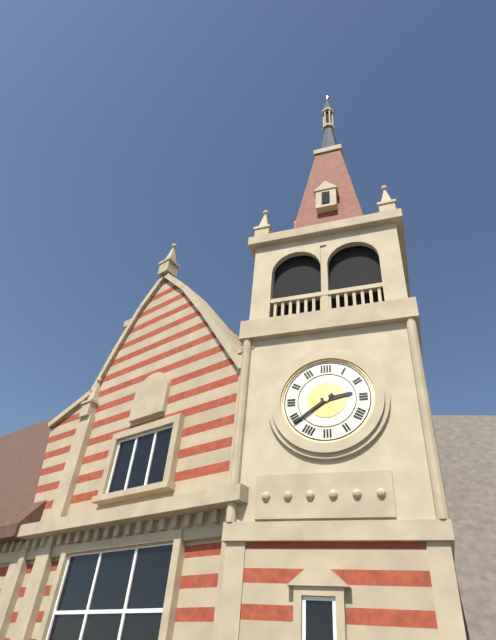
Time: h=2 m=39
